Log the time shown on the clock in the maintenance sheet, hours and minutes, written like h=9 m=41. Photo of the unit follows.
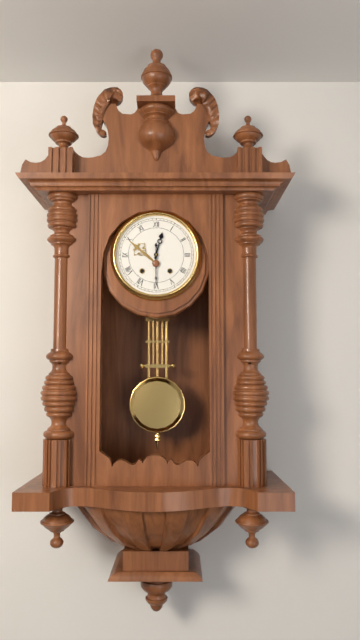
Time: h=12 m=30
